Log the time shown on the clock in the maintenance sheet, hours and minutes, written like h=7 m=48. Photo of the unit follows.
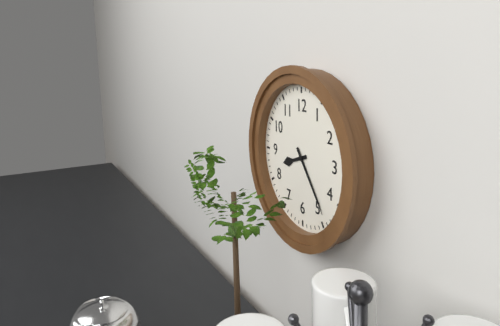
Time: h=8 m=24
